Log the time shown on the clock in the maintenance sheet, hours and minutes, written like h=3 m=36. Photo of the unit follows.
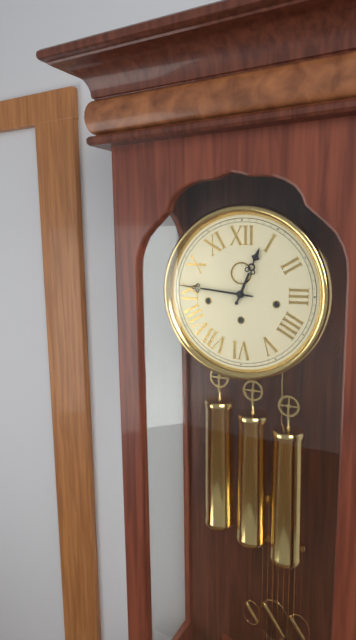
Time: h=12 m=46
